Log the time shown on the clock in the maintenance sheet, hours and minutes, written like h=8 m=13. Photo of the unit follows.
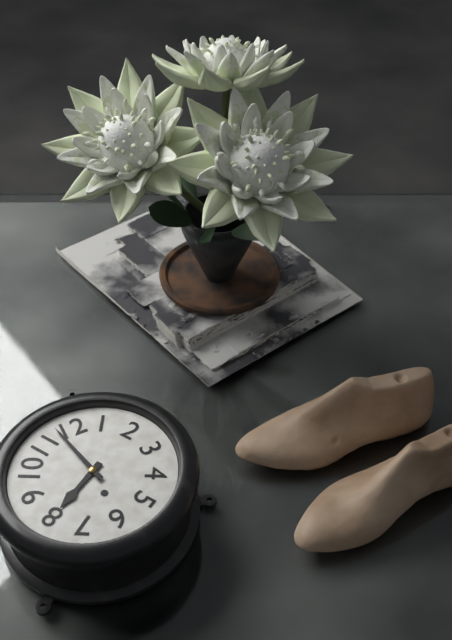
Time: h=7 m=58
